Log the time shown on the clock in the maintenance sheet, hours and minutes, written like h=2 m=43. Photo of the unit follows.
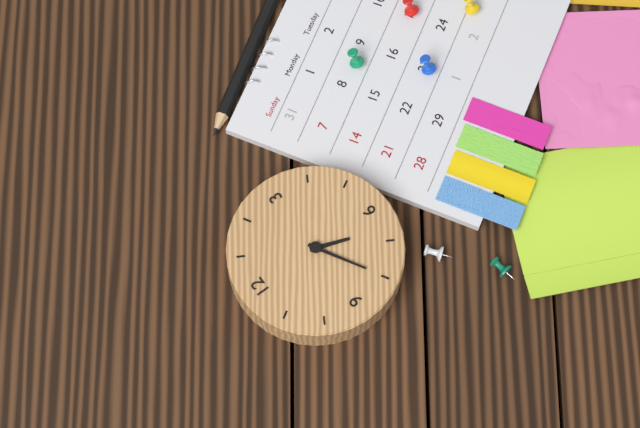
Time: h=6 m=40
